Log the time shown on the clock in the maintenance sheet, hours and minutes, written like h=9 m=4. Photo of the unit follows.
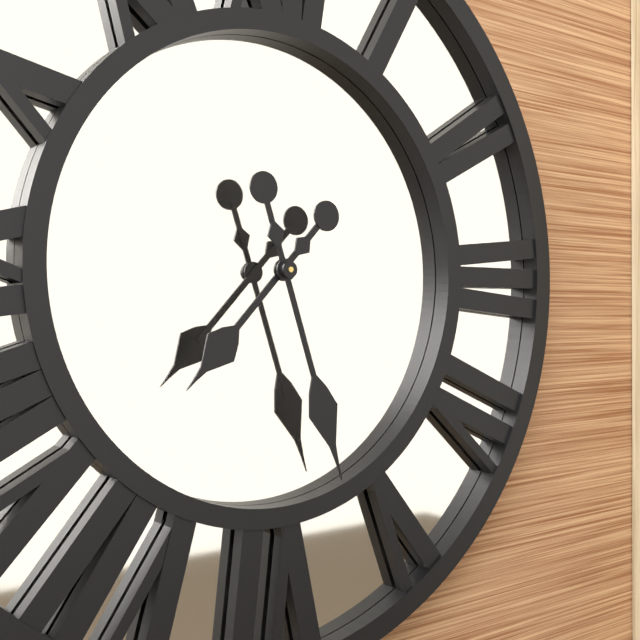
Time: h=7 m=27
